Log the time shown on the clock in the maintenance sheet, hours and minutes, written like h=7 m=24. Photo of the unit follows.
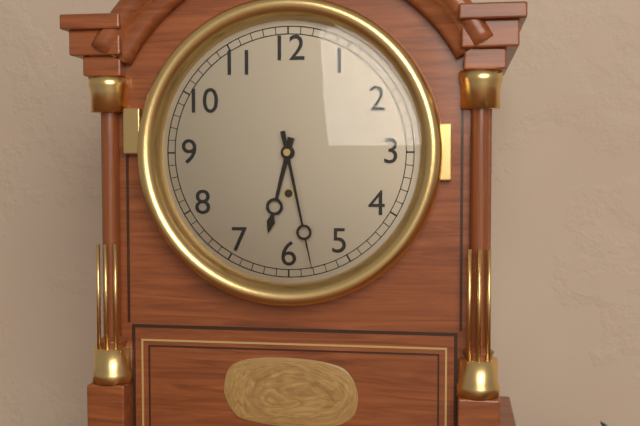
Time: h=6 m=28
